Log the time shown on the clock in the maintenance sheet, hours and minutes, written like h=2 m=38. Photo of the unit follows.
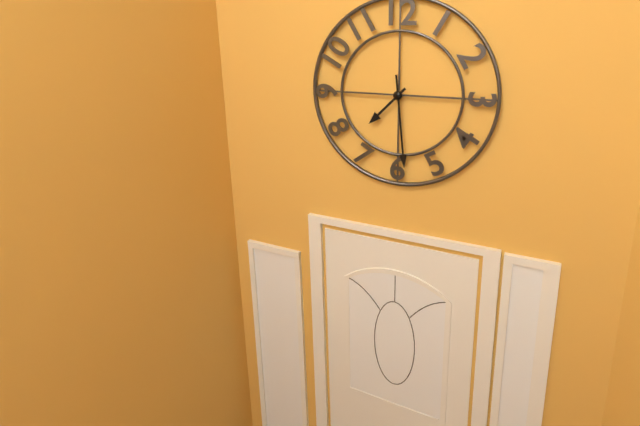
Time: h=7 m=29
